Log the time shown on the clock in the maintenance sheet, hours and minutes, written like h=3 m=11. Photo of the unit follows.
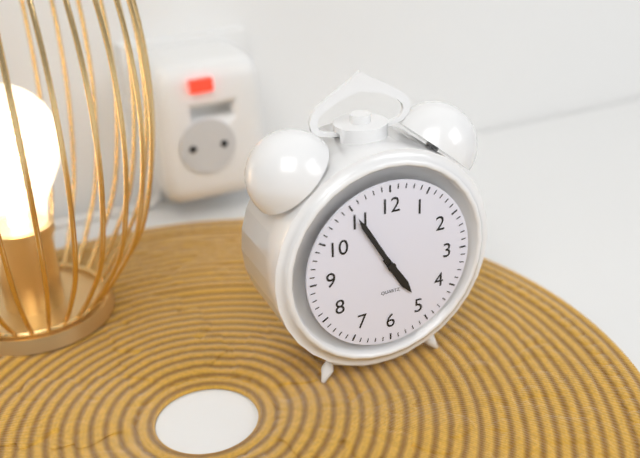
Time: h=4 m=55
